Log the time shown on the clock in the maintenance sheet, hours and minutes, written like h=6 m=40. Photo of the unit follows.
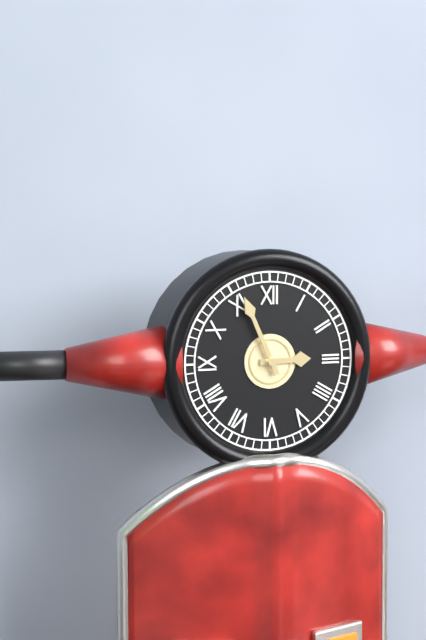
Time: h=2 m=56
